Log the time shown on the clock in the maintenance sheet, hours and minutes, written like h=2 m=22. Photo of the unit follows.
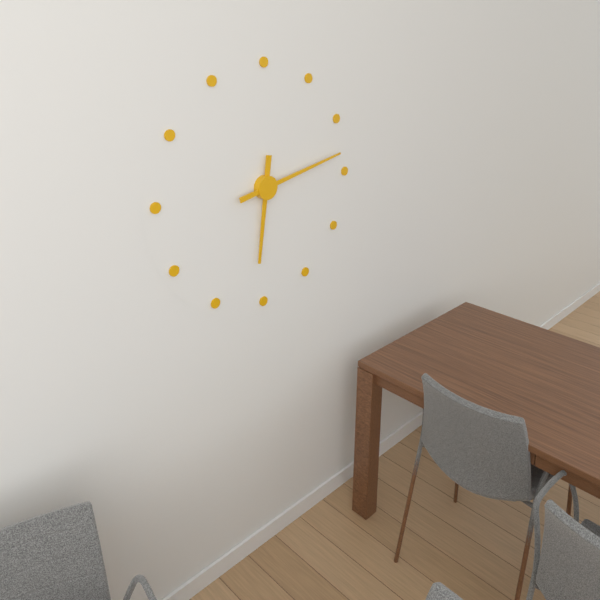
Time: h=6 m=13
